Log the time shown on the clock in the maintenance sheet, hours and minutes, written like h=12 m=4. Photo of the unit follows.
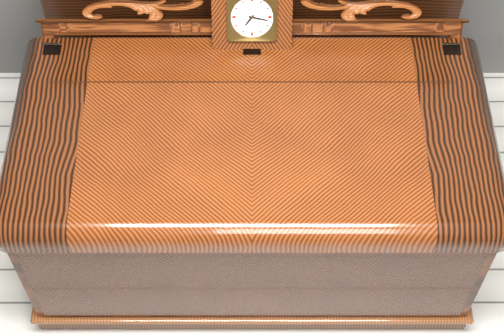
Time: h=7 m=17
